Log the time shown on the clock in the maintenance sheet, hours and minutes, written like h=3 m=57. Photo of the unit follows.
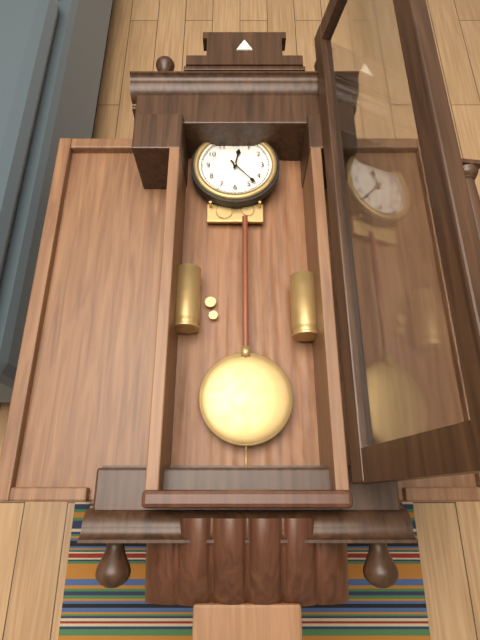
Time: h=12 m=23
